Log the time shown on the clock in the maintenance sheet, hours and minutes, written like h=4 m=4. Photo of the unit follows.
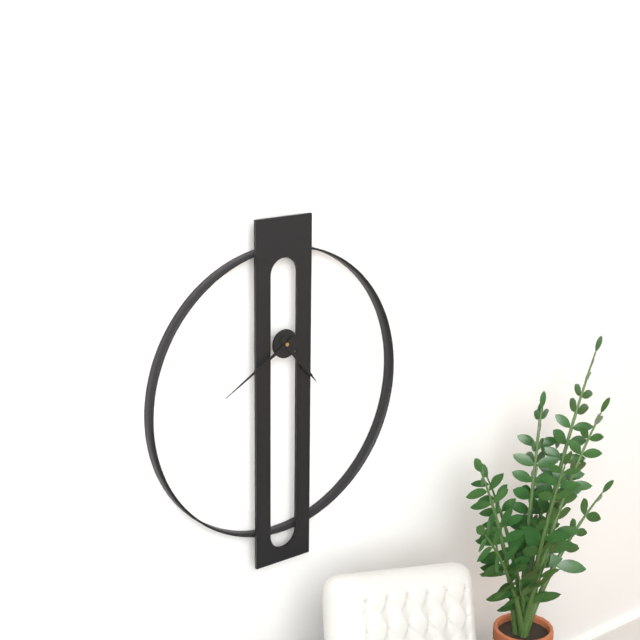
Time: h=4 m=40
